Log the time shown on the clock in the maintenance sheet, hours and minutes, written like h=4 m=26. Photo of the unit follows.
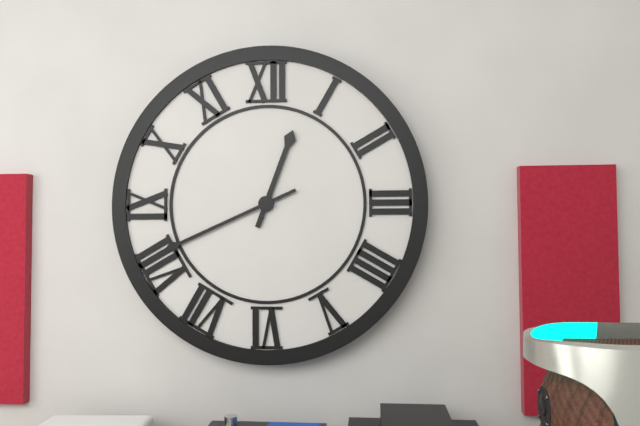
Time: h=12 m=41
